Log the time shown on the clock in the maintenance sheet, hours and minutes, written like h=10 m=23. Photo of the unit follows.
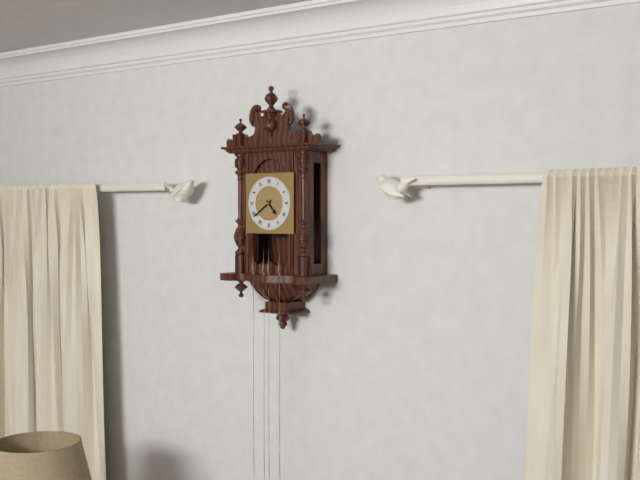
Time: h=4 m=39
